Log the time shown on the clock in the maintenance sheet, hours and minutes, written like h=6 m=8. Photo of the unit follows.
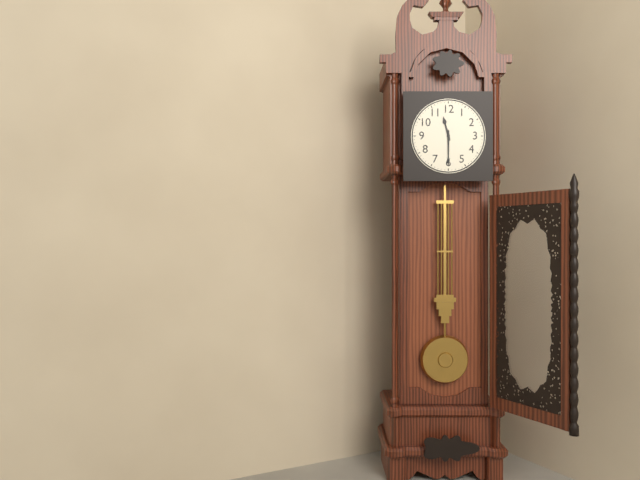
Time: h=11 m=30
